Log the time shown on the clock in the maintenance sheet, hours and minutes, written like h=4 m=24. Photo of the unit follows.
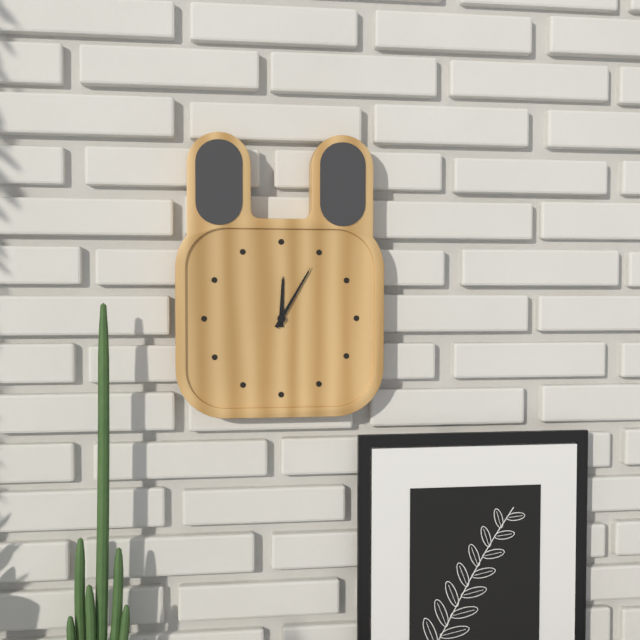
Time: h=12 m=5
